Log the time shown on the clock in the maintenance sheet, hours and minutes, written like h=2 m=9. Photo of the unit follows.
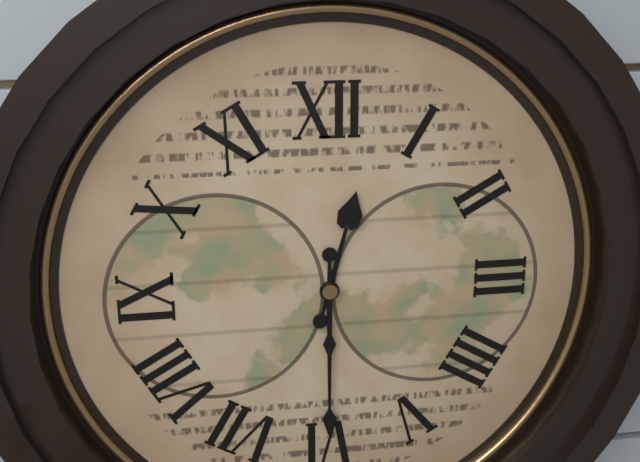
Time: h=12 m=30
